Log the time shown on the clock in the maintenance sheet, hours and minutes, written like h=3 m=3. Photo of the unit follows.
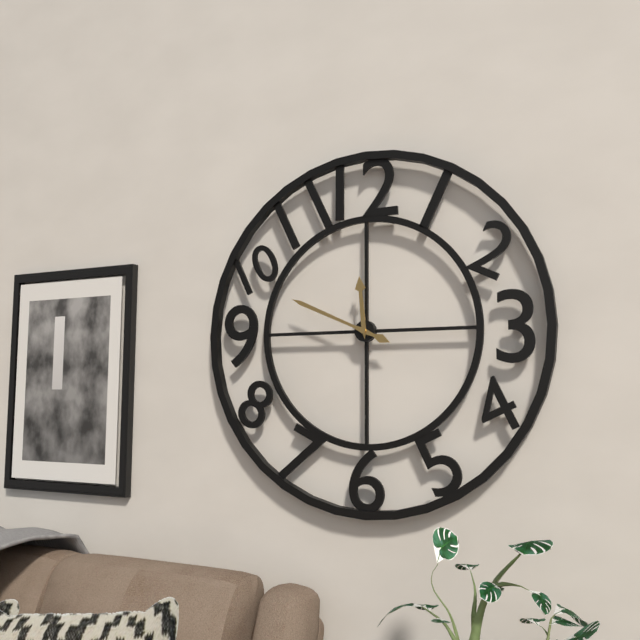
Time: h=11 m=49
